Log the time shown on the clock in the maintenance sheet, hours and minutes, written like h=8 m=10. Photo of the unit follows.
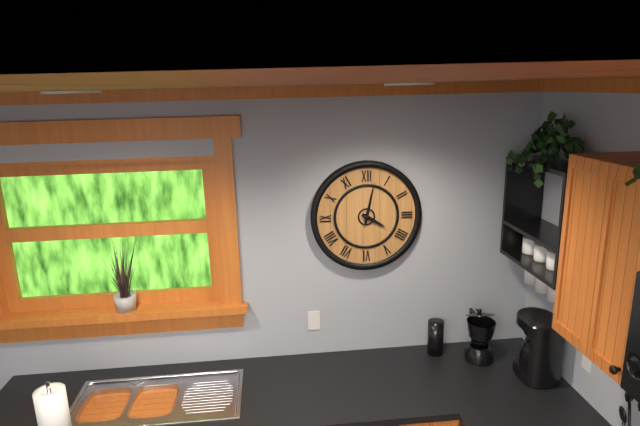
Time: h=4 m=2
